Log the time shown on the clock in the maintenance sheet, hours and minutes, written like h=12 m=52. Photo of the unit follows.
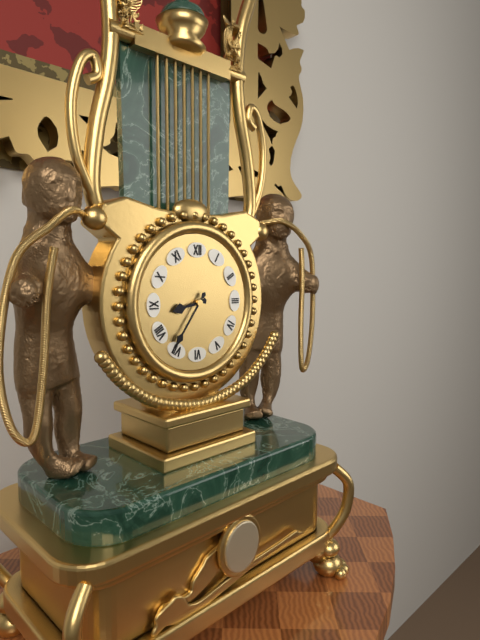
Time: h=8 m=36
